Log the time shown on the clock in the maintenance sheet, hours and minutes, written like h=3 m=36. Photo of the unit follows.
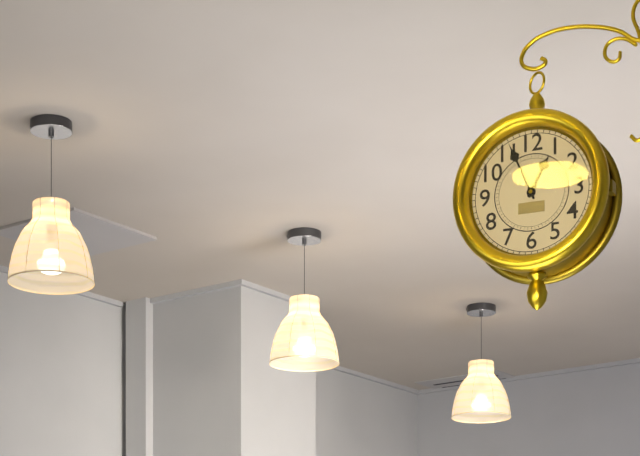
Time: h=12 m=56
